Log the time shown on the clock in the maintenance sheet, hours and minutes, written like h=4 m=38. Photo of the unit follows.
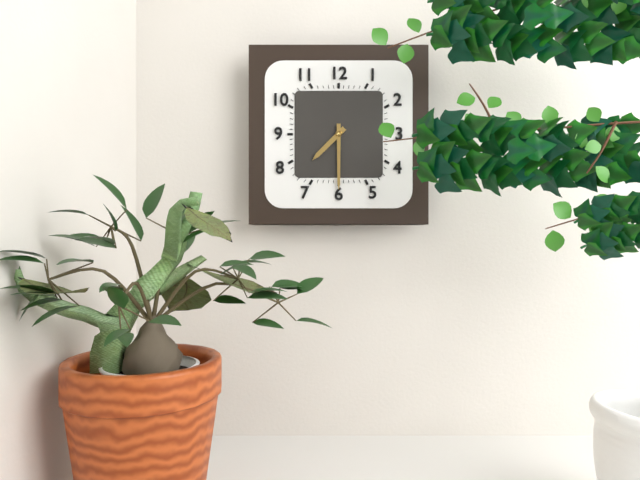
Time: h=7 m=30
